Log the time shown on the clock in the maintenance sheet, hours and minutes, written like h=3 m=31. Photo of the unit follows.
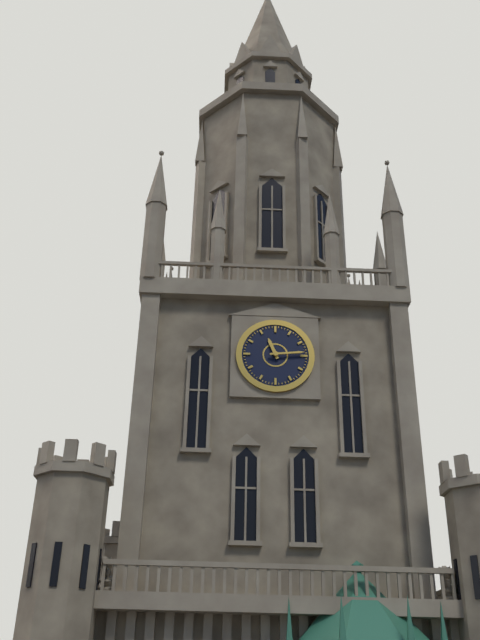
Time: h=11 m=14
